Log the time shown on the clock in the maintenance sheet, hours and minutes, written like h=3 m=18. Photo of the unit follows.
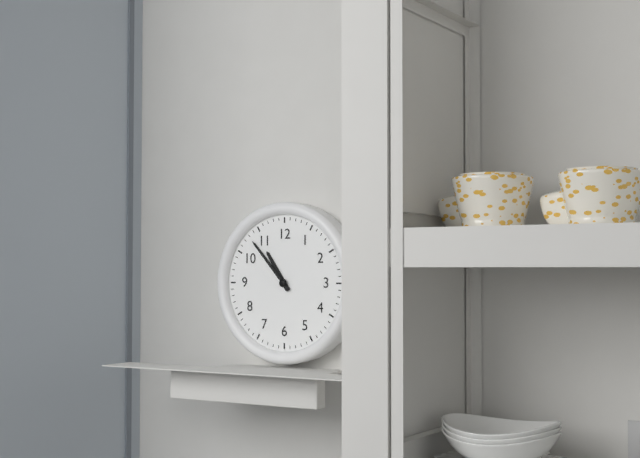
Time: h=10 m=53
